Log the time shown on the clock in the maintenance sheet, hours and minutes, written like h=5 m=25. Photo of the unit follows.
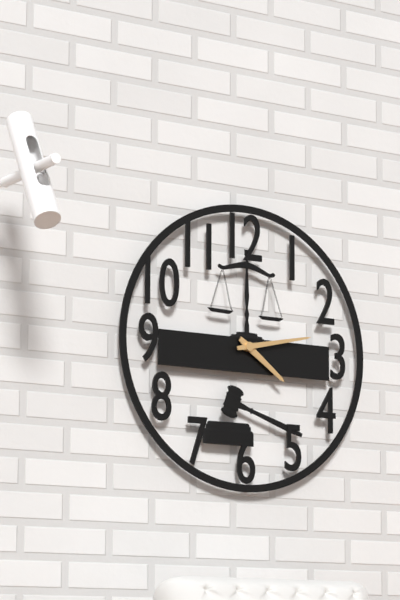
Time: h=4 m=13
